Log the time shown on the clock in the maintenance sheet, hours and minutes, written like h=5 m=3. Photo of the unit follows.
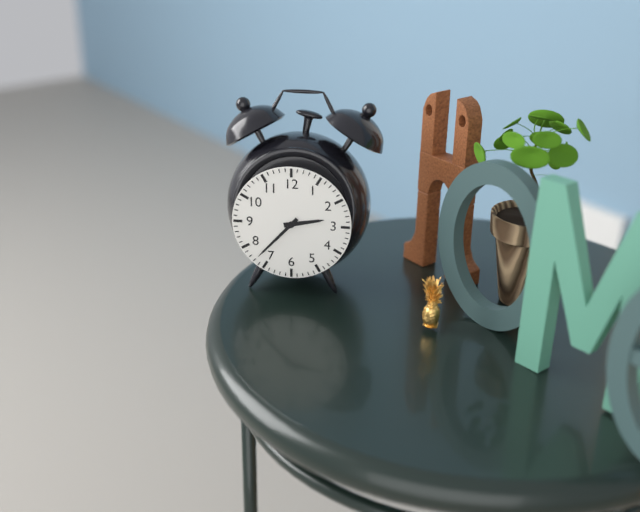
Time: h=2 m=37
